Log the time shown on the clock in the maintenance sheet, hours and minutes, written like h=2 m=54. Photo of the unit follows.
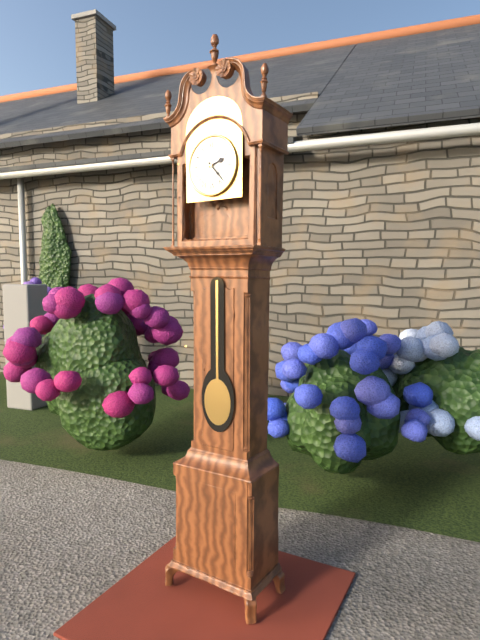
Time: h=2 m=23
